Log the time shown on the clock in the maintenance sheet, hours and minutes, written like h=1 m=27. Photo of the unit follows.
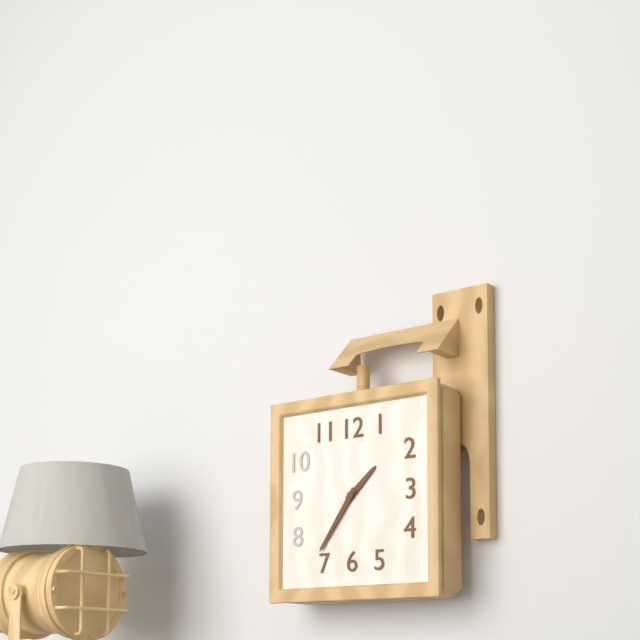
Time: h=1 m=36
